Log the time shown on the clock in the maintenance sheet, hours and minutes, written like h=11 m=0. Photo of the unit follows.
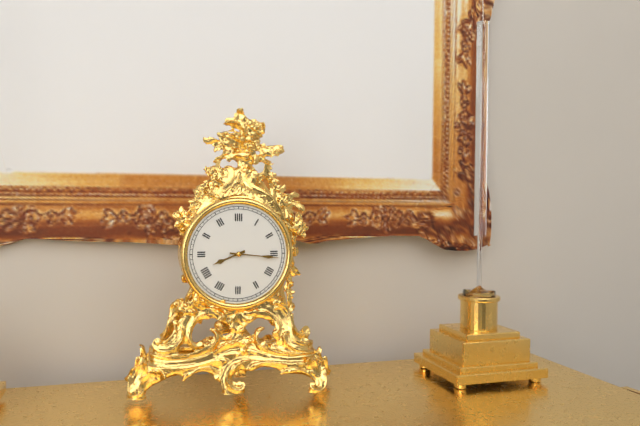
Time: h=8 m=16
